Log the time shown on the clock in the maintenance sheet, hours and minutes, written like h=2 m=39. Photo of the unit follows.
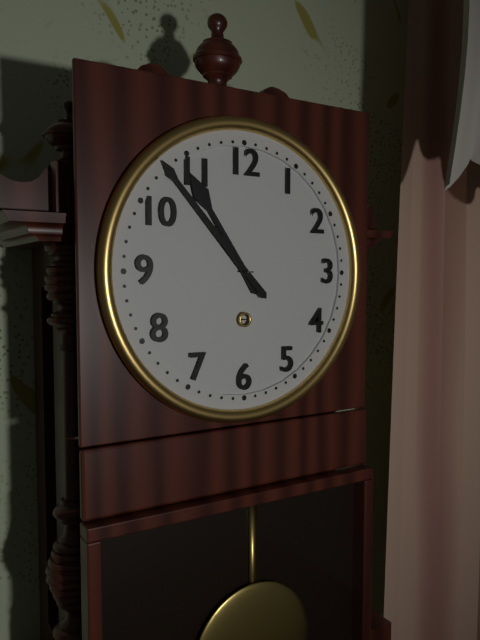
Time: h=10 m=53
